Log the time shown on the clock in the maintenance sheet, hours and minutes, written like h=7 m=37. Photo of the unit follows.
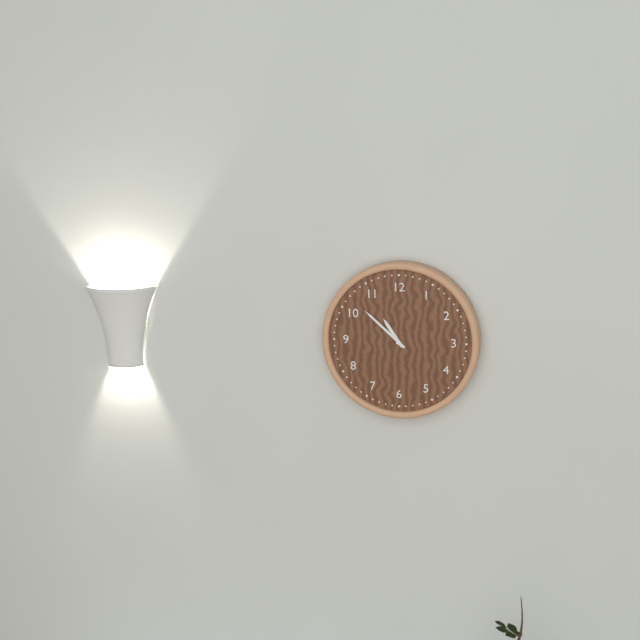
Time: h=10 m=52
